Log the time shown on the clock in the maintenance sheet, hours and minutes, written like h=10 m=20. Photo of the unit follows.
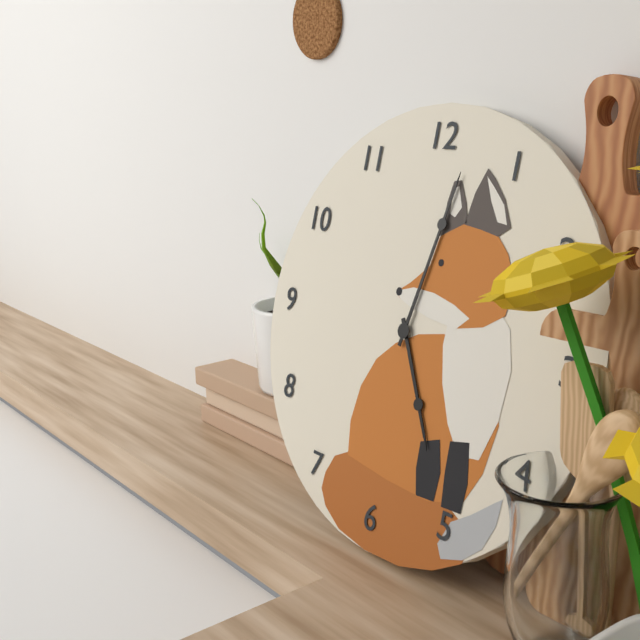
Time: h=5 m=2
